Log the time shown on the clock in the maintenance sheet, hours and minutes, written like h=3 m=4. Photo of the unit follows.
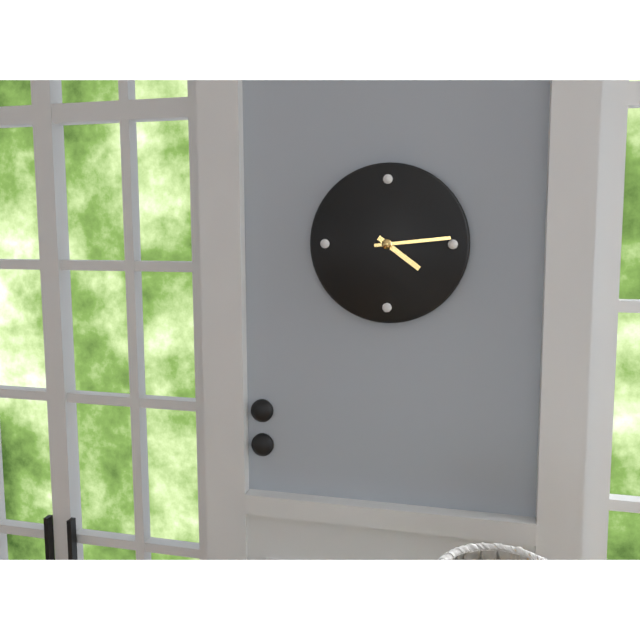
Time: h=4 m=14
